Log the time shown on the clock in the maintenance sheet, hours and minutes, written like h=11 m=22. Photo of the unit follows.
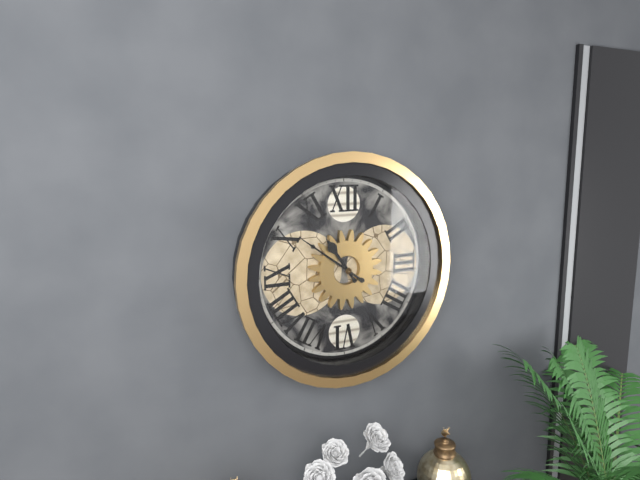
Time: h=10 m=51
